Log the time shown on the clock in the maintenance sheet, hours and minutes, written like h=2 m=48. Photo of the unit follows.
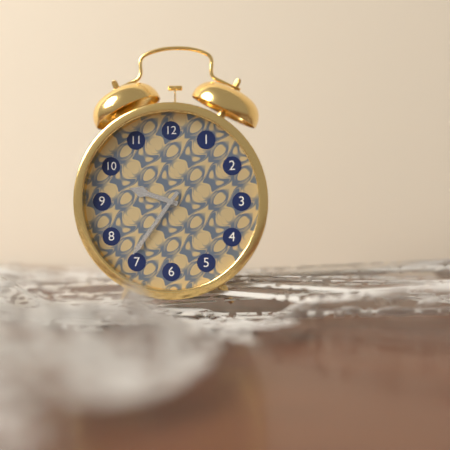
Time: h=9 m=36
